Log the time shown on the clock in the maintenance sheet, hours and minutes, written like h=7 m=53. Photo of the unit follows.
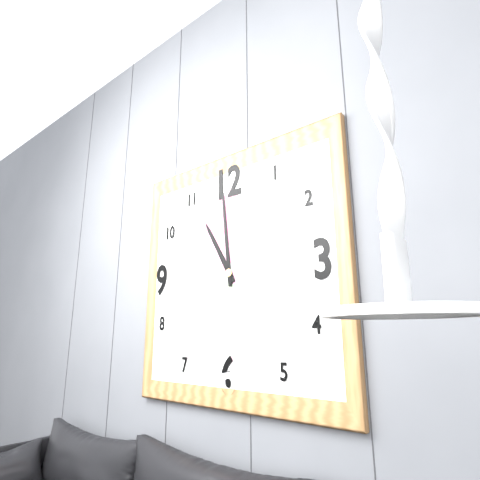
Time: h=10 m=59
